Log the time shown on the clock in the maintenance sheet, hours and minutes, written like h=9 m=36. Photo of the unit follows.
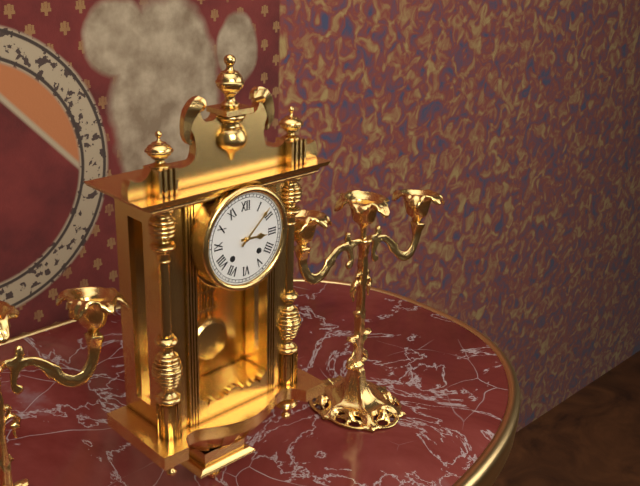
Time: h=3 m=8
